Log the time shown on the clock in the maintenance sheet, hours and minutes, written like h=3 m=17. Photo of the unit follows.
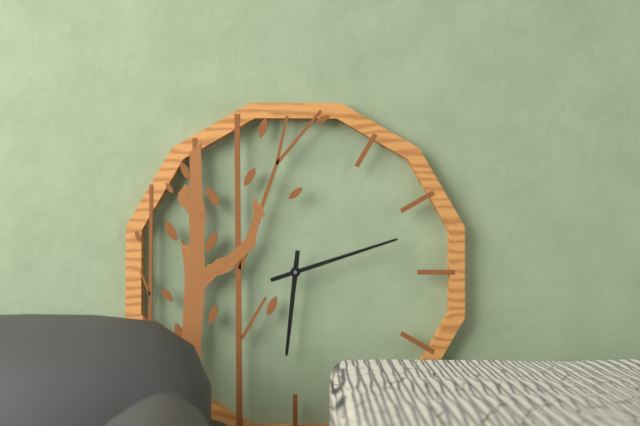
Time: h=6 m=12
